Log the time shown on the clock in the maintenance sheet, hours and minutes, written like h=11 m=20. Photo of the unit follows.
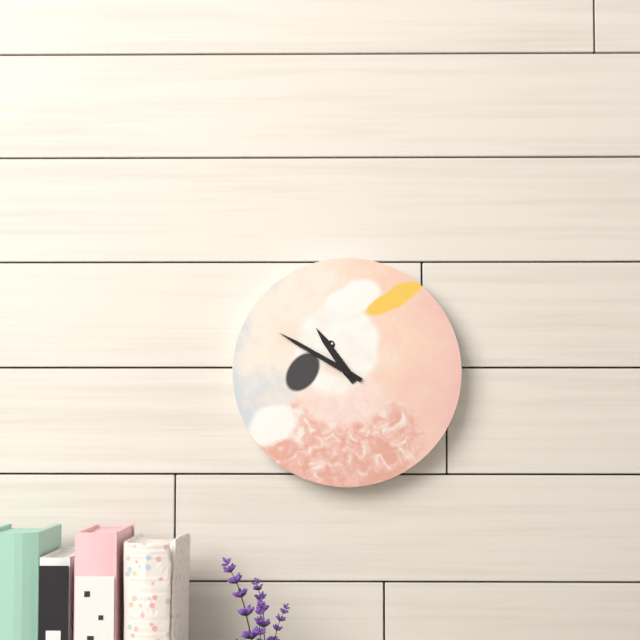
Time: h=10 m=50
